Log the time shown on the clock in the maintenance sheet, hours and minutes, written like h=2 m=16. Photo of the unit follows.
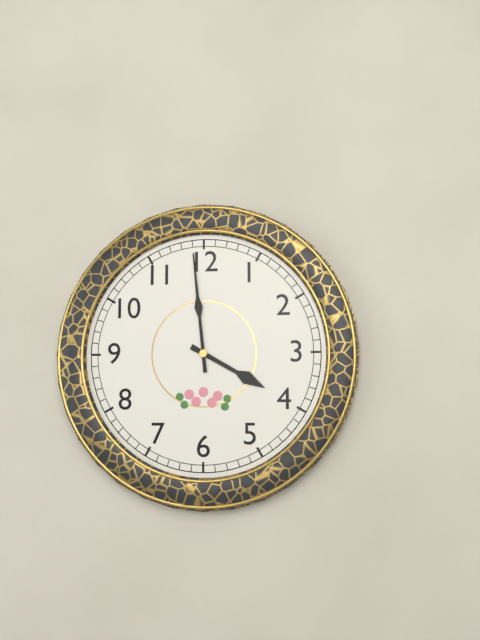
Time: h=3 m=59
